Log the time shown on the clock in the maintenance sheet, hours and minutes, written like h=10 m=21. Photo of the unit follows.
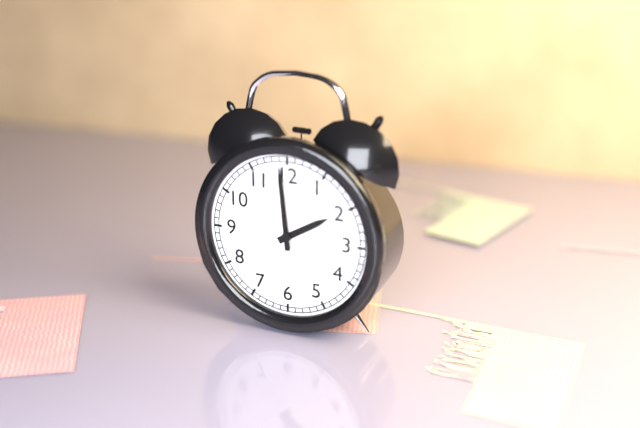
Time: h=1 m=59
